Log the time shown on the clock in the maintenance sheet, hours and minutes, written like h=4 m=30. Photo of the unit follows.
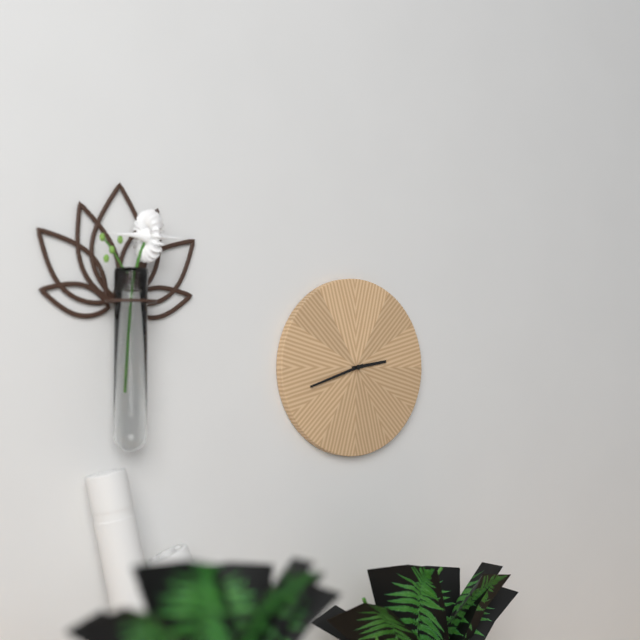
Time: h=2 m=42
